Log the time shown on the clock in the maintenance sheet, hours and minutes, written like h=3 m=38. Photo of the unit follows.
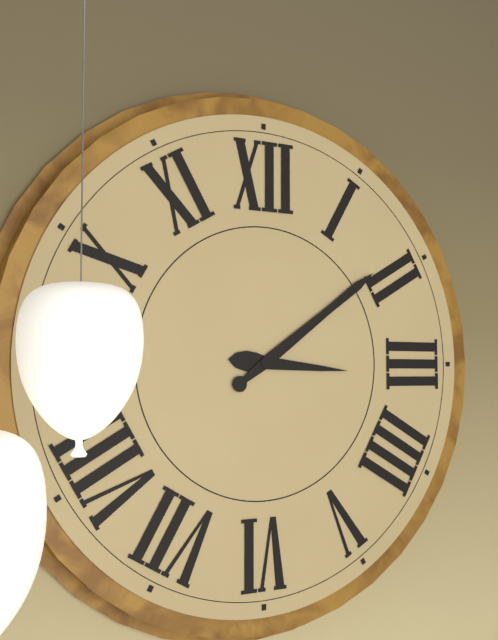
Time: h=3 m=9
